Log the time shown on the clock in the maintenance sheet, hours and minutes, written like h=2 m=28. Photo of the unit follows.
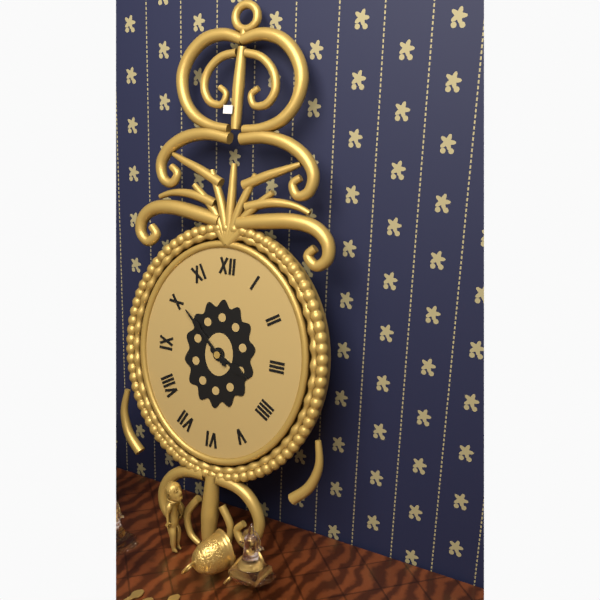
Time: h=3 m=52
